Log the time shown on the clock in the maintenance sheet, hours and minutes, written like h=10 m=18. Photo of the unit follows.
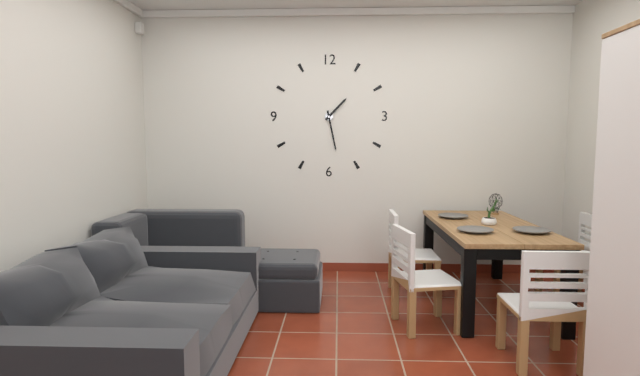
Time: h=1 m=28
